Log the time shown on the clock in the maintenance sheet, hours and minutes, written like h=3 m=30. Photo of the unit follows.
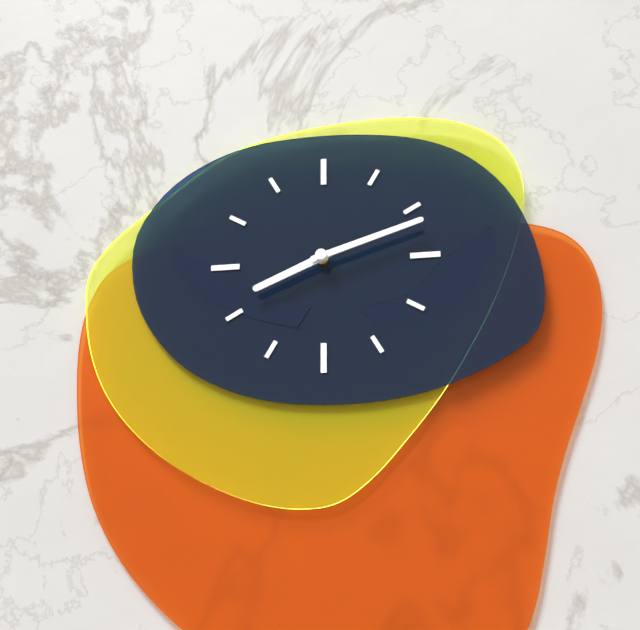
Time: h=8 m=12
